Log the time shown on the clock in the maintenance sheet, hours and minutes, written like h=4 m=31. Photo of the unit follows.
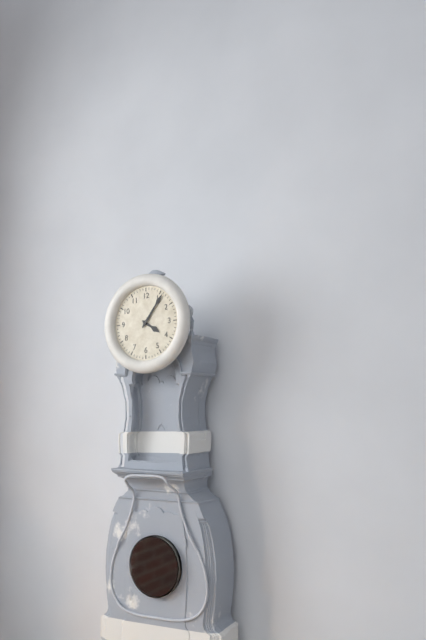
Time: h=4 m=6
